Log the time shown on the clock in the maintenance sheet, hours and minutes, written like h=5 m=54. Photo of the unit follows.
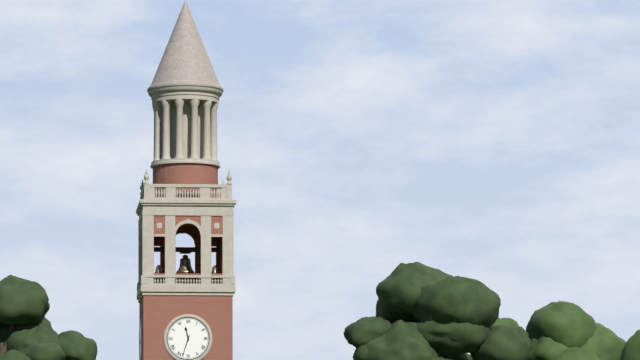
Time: h=11 m=33
